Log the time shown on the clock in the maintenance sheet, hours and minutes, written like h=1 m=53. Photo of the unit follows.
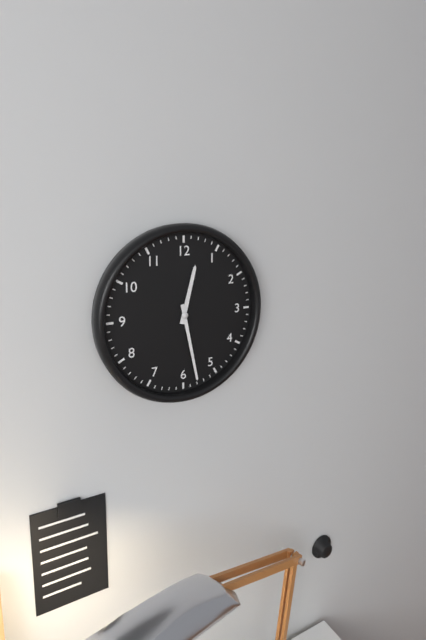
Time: h=12 m=28
